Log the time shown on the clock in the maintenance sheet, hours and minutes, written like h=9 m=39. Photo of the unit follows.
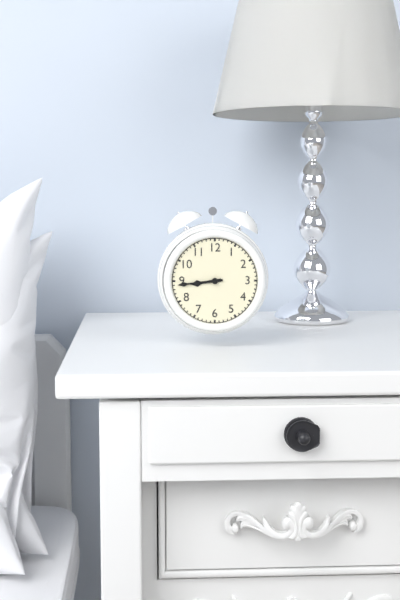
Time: h=8 m=44
